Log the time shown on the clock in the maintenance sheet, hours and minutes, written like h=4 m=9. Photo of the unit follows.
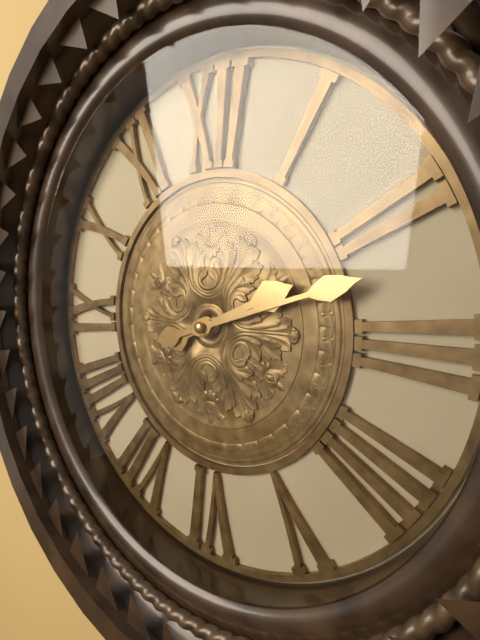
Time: h=2 m=12
